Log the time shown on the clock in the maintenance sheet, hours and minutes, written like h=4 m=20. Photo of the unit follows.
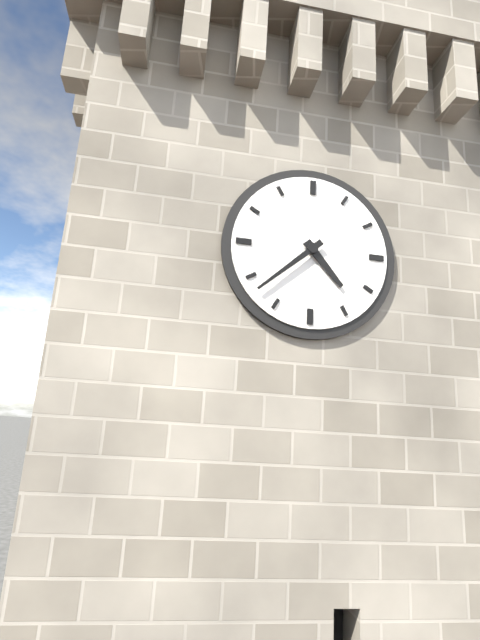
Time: h=4 m=38
